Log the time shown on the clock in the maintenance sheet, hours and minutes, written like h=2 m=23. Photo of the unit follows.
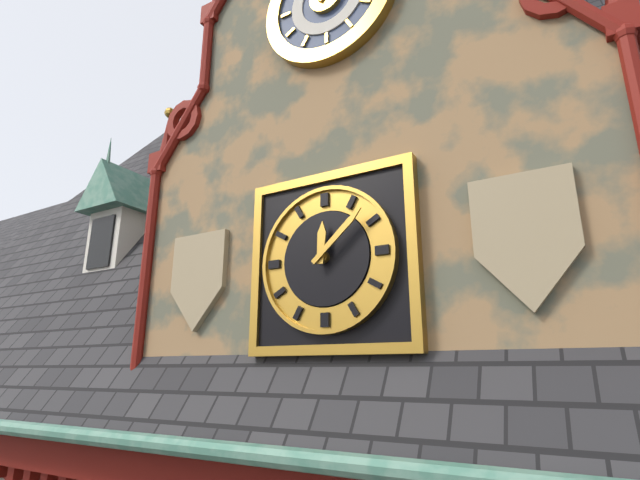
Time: h=12 m=8
